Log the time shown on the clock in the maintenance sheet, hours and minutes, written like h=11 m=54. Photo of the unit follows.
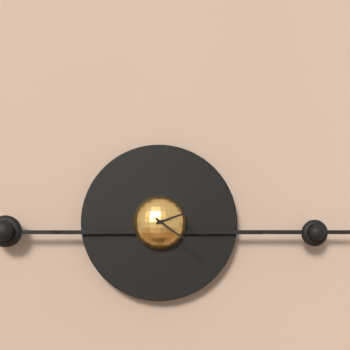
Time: h=2 m=21
